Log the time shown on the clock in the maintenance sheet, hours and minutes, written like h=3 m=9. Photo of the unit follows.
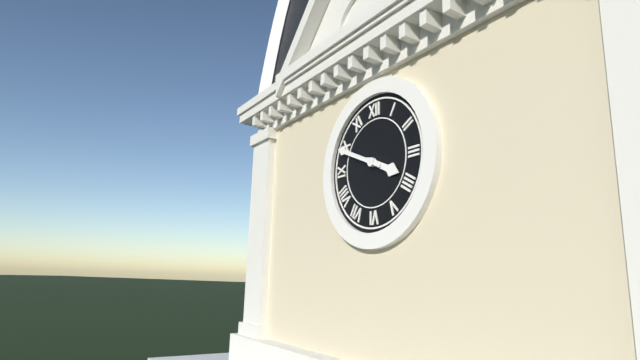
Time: h=3 m=49
